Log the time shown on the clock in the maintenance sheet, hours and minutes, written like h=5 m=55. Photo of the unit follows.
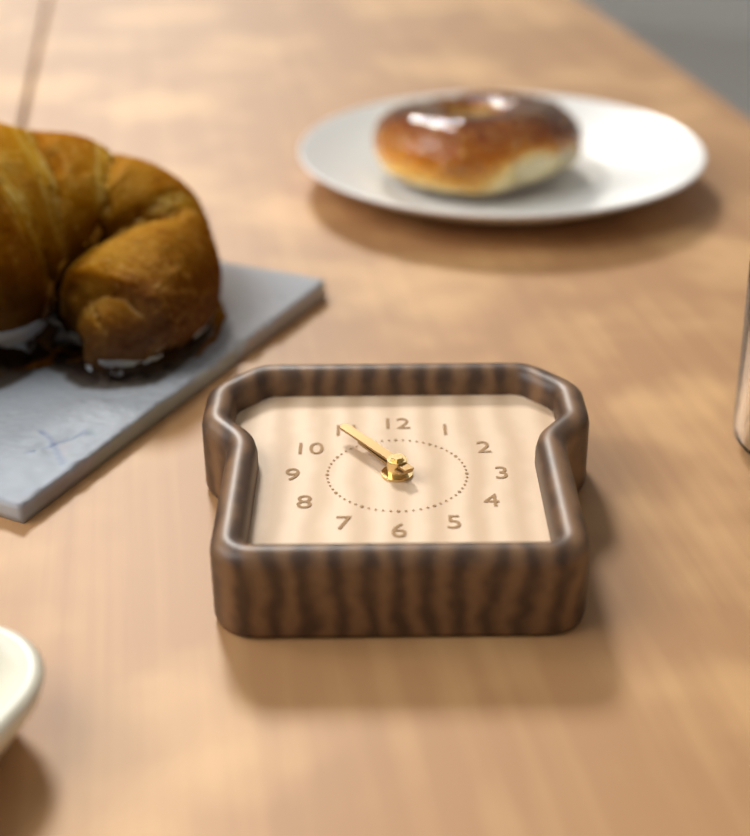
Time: h=10 m=54
